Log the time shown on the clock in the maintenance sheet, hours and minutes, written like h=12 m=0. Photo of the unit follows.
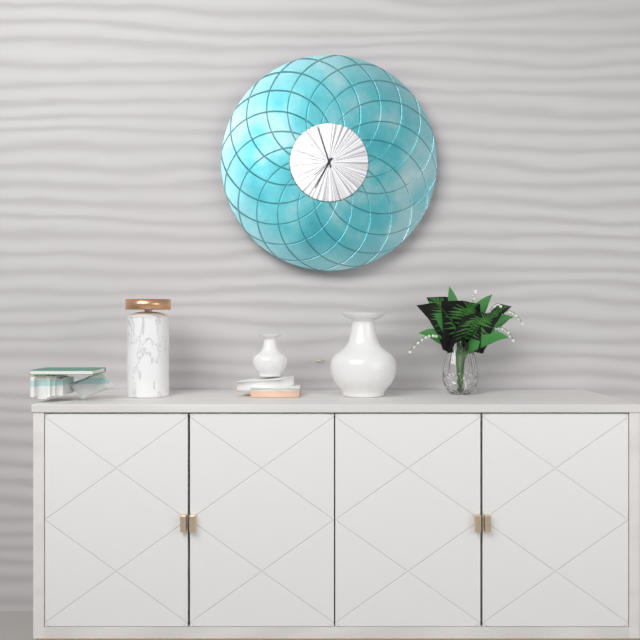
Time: h=6 m=57
